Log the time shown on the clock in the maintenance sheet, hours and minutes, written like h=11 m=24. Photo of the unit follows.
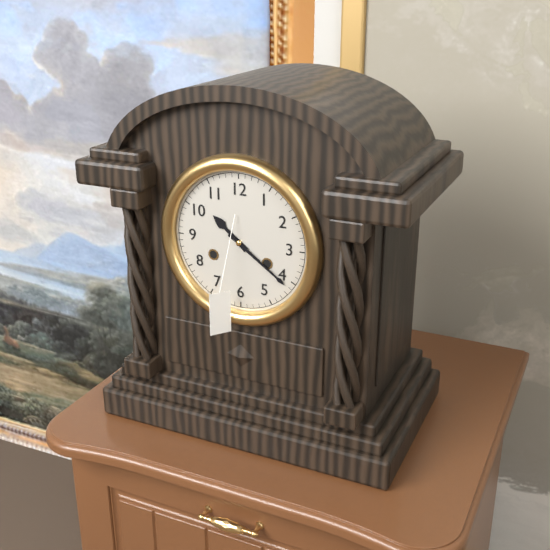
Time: h=10 m=21
